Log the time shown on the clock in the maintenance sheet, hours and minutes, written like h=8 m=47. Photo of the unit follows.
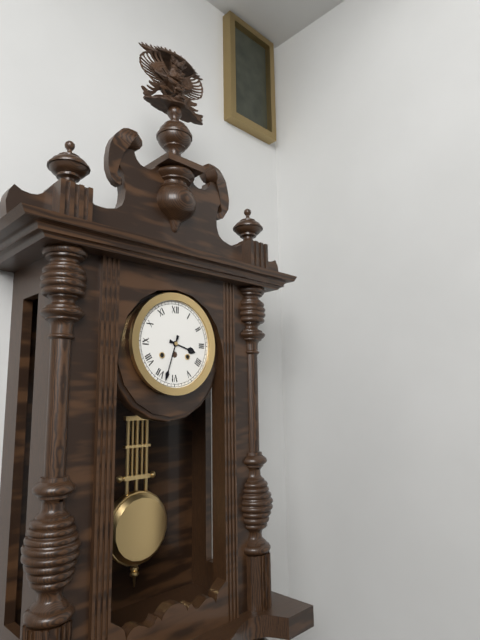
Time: h=3 m=33
